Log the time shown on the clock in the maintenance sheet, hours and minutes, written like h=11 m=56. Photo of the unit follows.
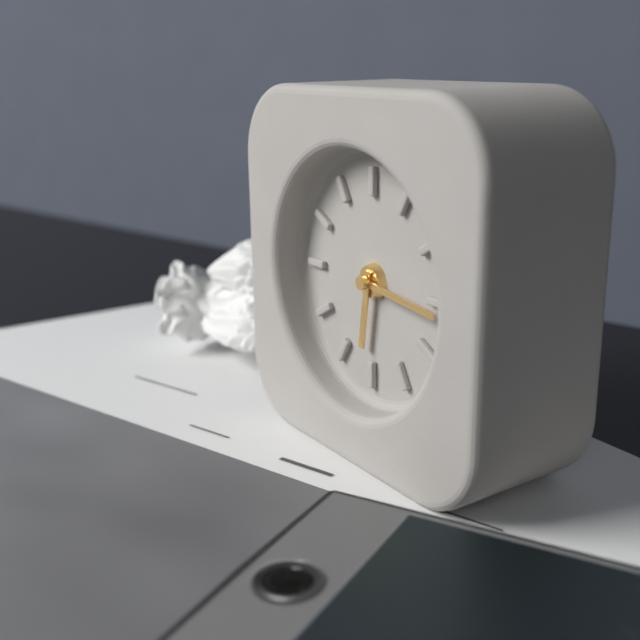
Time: h=6 m=16
